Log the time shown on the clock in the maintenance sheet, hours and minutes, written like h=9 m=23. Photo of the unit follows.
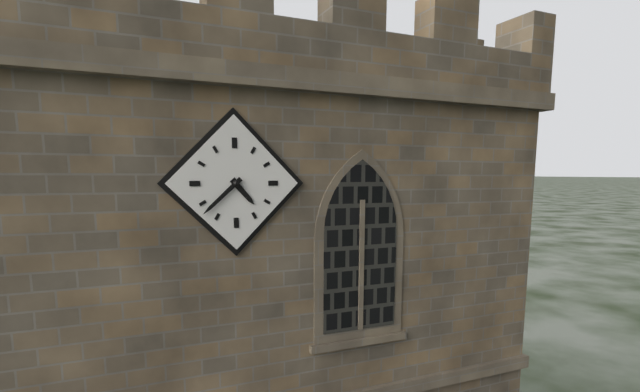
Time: h=4 m=38
